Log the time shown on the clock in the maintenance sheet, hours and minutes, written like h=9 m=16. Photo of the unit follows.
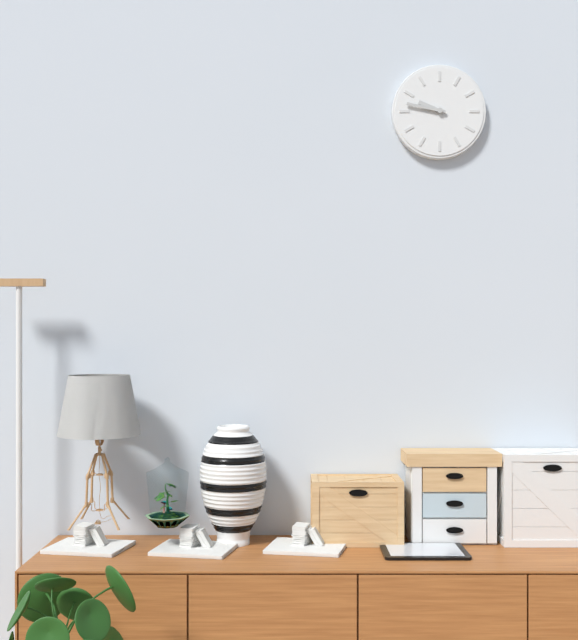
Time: h=9 m=47
